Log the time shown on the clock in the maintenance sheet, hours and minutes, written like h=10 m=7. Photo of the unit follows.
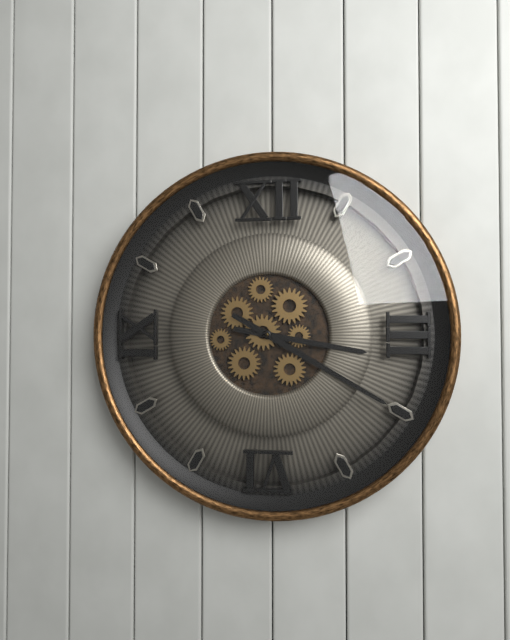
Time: h=3 m=20
